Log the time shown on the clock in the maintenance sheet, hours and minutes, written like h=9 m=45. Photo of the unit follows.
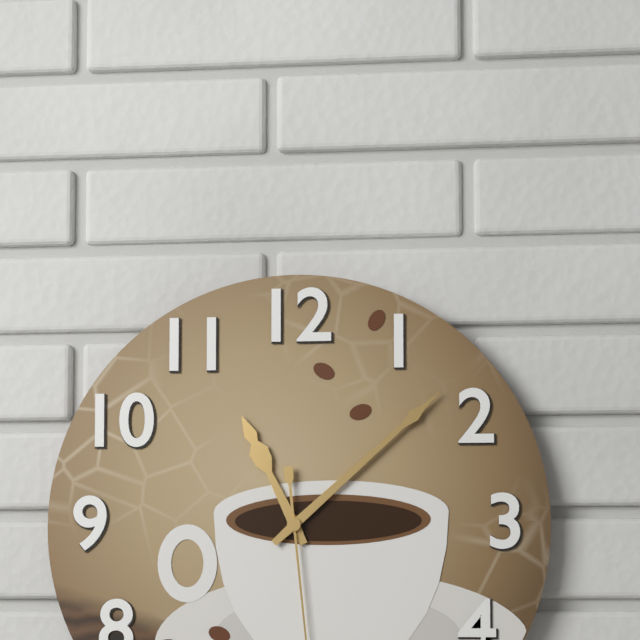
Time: h=11 m=8
